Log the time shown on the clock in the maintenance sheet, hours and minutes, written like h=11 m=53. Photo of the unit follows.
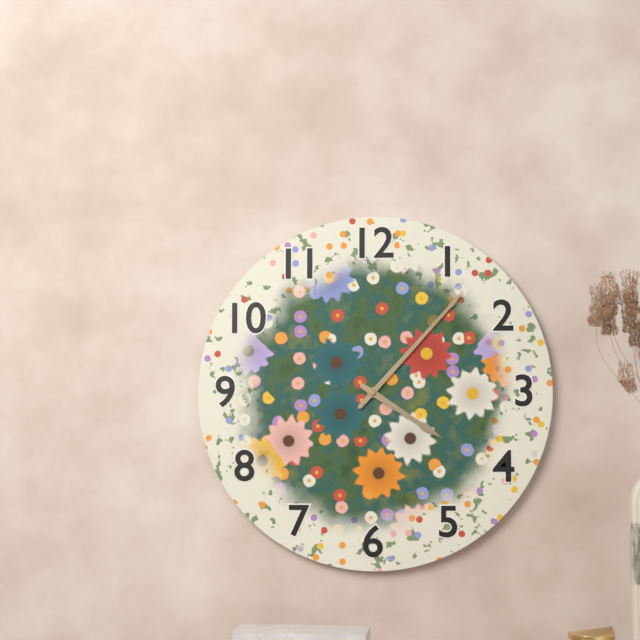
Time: h=4 m=7
